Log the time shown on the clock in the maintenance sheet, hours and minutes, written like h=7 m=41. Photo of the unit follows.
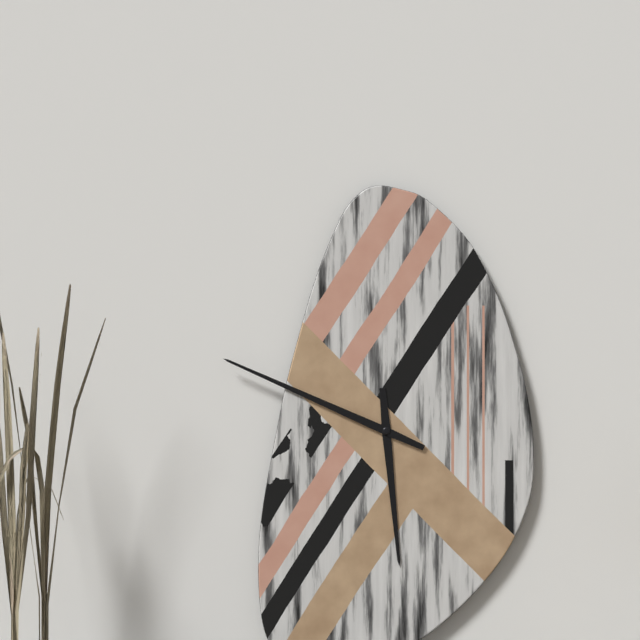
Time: h=5 m=49
